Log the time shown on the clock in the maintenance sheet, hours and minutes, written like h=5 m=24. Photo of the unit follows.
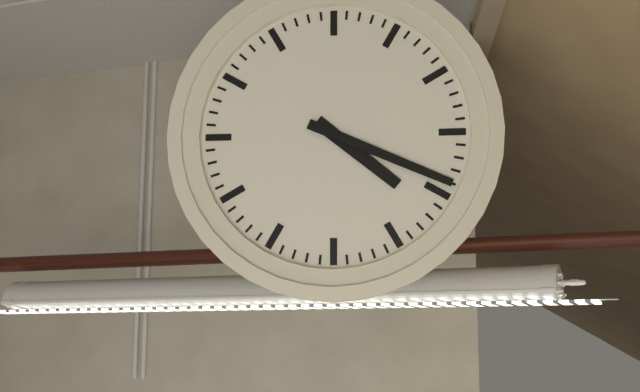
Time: h=4 m=19
